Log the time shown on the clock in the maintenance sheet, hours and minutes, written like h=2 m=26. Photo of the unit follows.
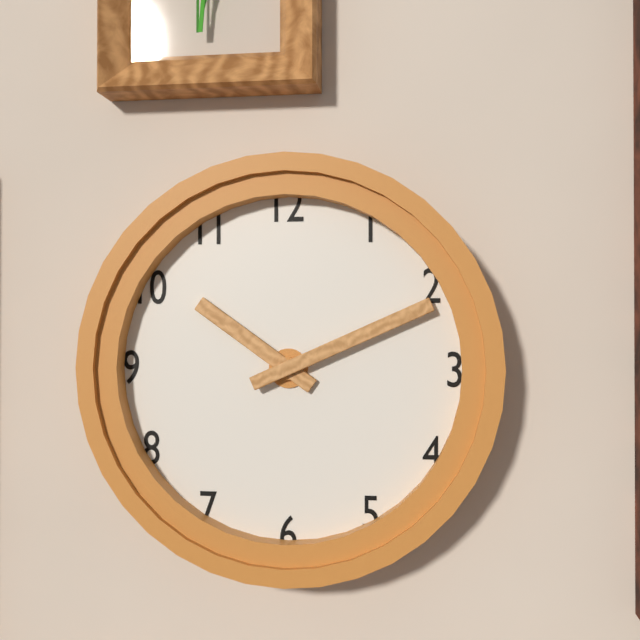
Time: h=10 m=11
